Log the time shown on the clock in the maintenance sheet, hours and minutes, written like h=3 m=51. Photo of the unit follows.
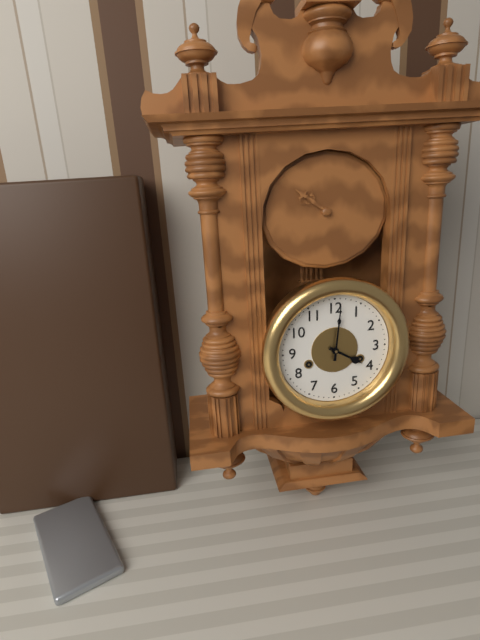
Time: h=4 m=1
